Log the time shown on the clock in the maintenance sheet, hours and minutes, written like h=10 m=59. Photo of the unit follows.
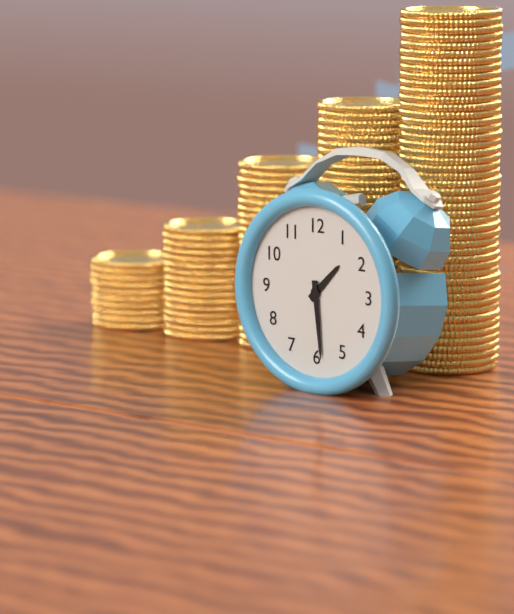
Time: h=1 m=29
